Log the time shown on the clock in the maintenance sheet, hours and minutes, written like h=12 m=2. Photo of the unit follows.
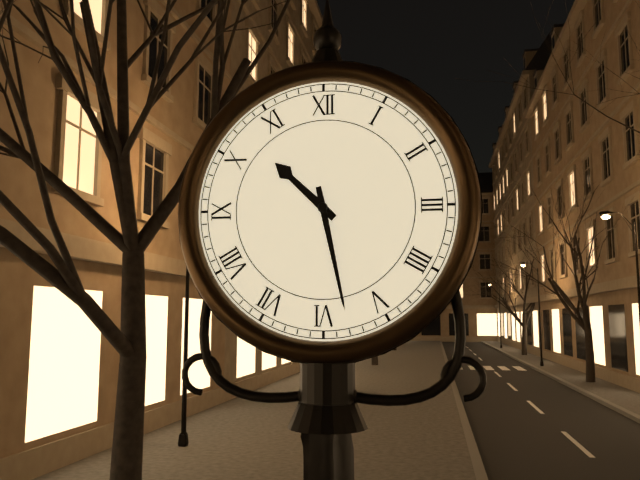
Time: h=10 m=28
